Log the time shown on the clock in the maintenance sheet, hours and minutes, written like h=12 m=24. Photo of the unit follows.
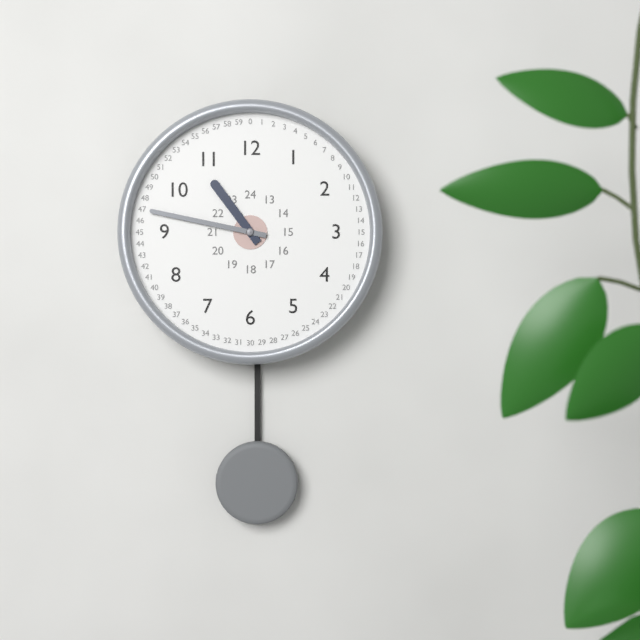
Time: h=10 m=47
